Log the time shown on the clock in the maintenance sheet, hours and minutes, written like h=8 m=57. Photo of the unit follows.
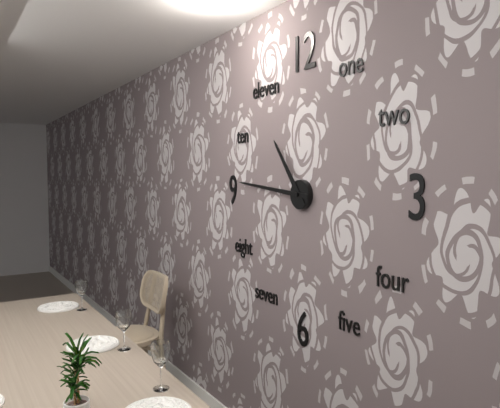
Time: h=10 m=46
